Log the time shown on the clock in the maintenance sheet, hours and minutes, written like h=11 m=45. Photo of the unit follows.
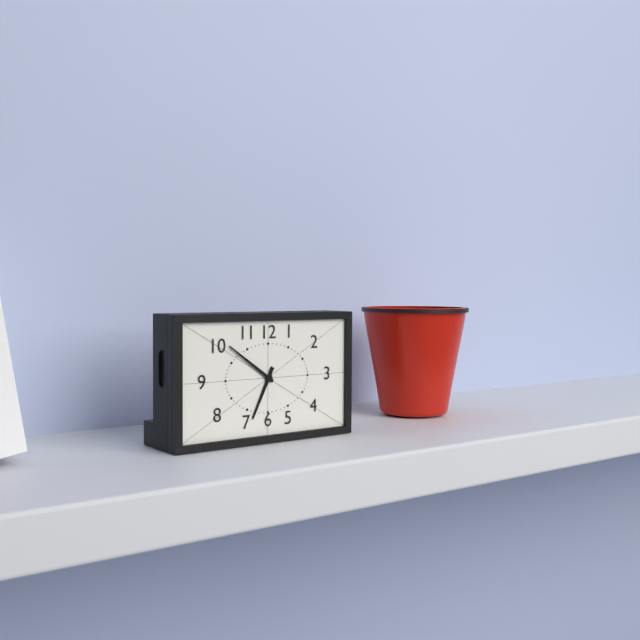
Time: h=6 m=51
